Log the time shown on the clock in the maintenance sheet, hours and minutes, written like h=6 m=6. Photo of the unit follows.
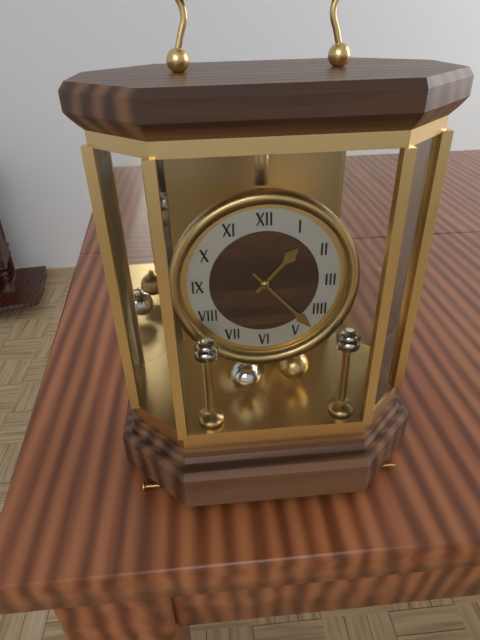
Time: h=1 m=23
